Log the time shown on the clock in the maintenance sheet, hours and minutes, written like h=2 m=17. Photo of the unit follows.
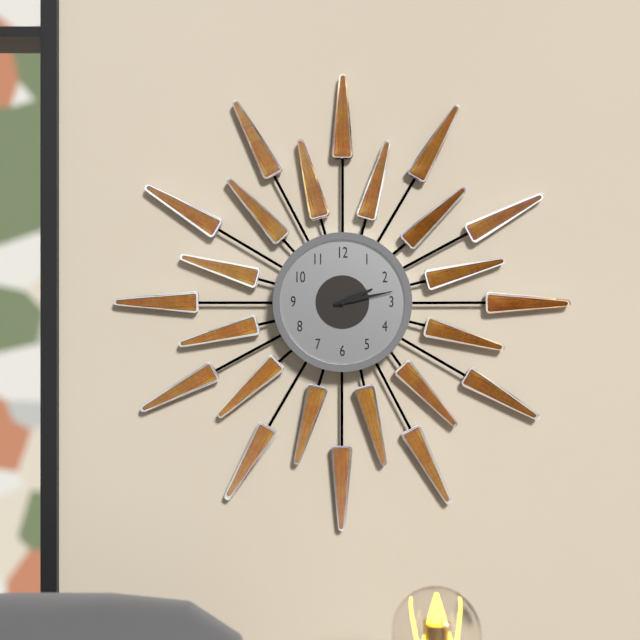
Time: h=2 m=13
